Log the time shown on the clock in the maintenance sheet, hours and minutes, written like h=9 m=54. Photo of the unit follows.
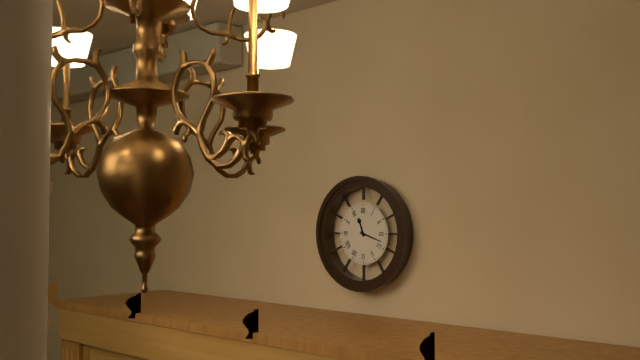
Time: h=11 m=18
